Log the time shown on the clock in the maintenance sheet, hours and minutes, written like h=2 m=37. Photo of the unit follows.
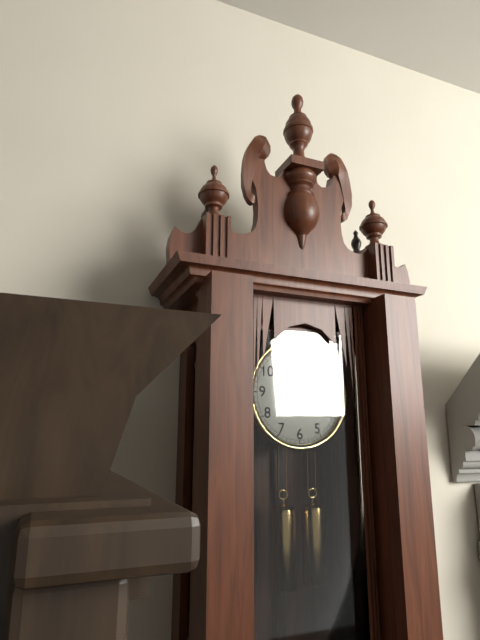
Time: h=10 m=7
